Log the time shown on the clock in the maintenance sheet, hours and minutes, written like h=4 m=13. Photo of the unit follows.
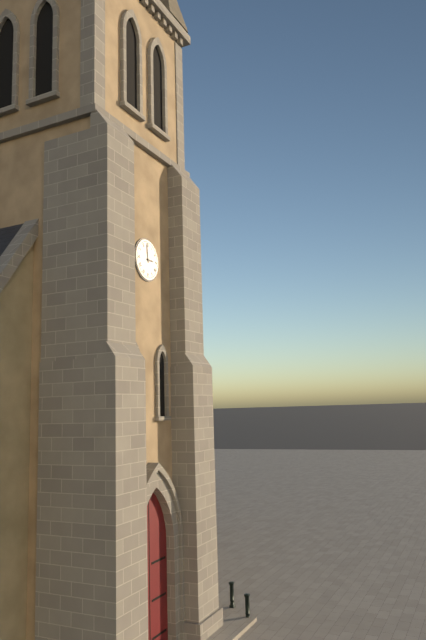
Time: h=2 m=59
